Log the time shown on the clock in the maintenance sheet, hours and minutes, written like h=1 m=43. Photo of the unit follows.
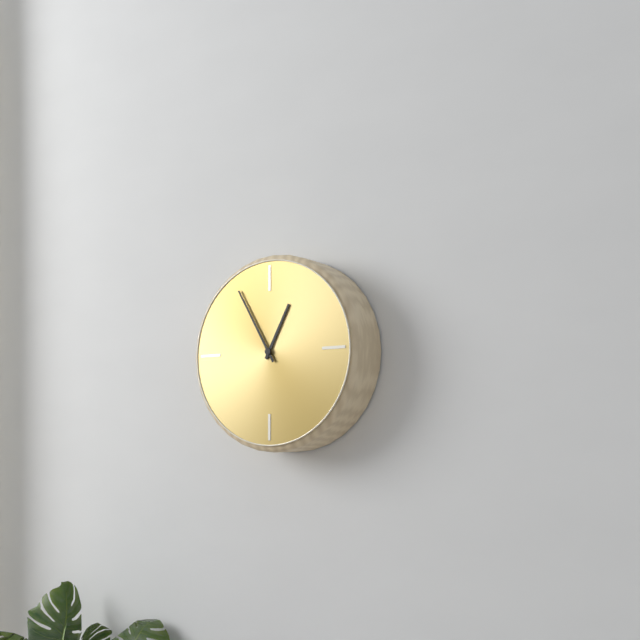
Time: h=12 m=55
